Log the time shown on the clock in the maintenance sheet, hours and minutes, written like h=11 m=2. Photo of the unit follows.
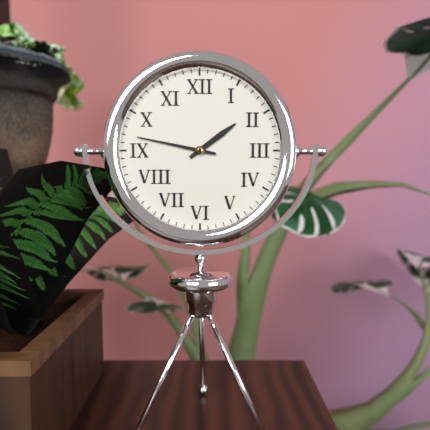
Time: h=1 m=47
